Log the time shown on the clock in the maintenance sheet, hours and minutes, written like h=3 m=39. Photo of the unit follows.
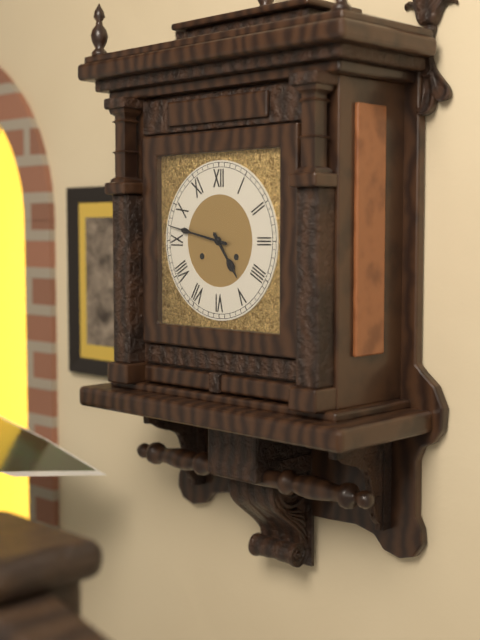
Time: h=4 m=47
